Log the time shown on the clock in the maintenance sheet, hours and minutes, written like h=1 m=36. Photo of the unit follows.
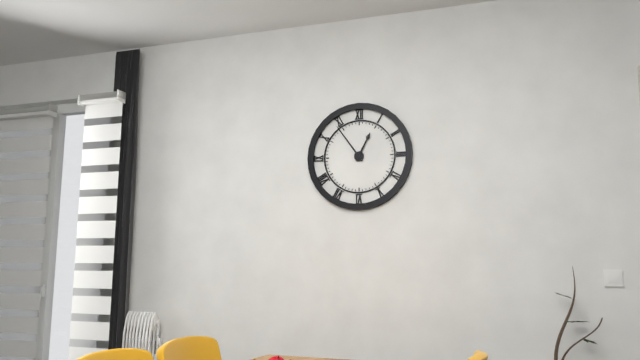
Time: h=12 m=54
